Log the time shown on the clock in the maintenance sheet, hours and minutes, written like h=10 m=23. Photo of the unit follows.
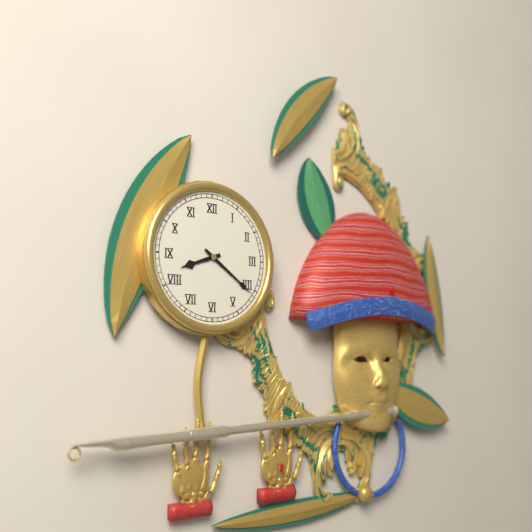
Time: h=8 m=21
